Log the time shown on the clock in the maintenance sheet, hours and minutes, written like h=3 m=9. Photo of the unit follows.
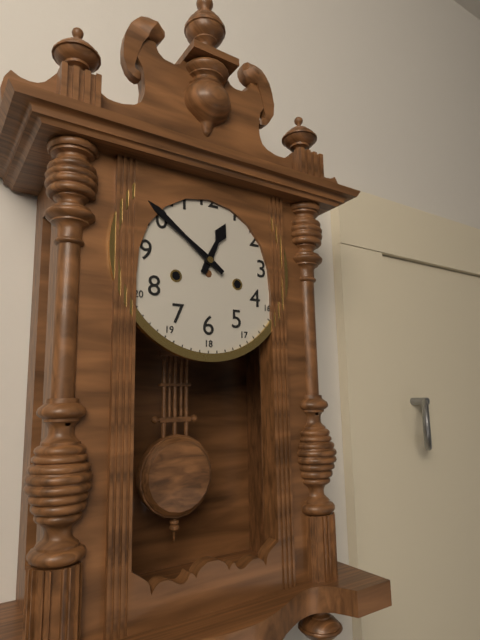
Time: h=12 m=51
